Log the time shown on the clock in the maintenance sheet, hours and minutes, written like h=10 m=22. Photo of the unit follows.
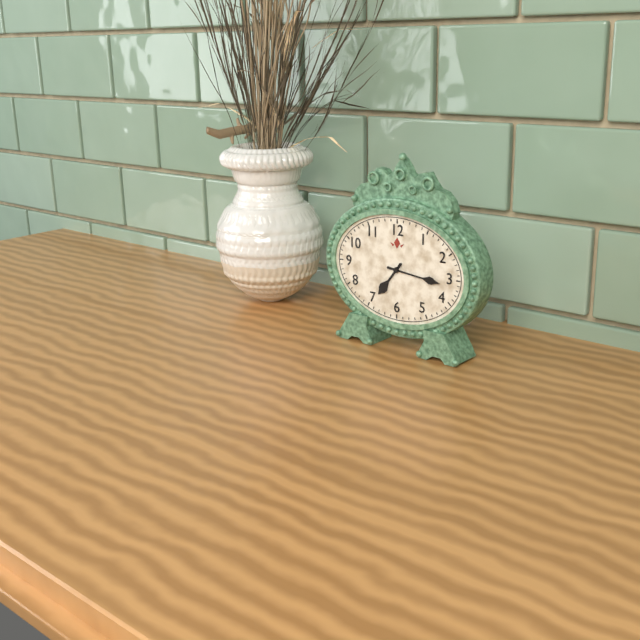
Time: h=7 m=16
